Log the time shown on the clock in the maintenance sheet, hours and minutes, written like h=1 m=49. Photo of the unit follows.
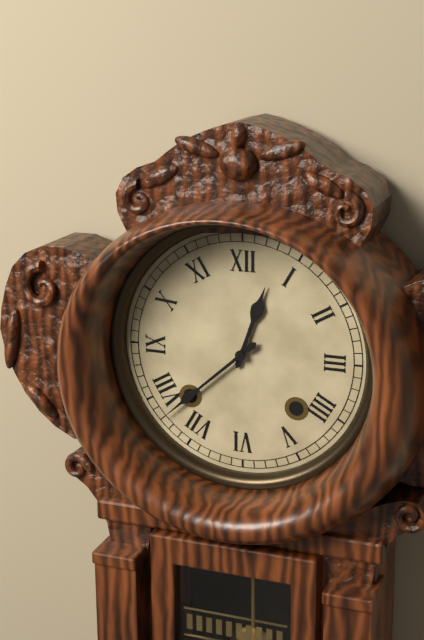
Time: h=12 m=38
